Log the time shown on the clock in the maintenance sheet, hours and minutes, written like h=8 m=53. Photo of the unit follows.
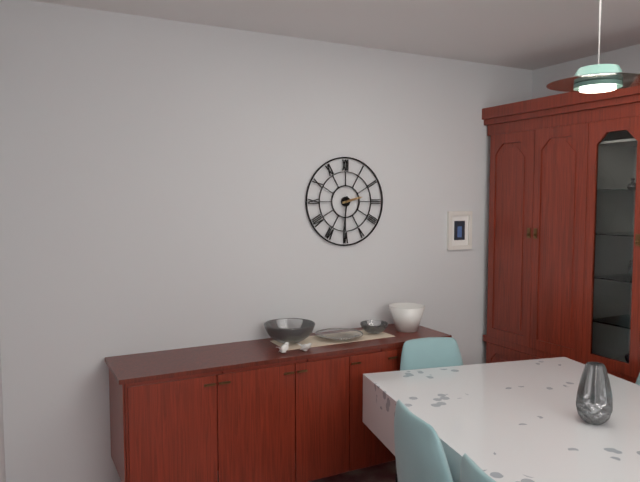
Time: h=2 m=31
